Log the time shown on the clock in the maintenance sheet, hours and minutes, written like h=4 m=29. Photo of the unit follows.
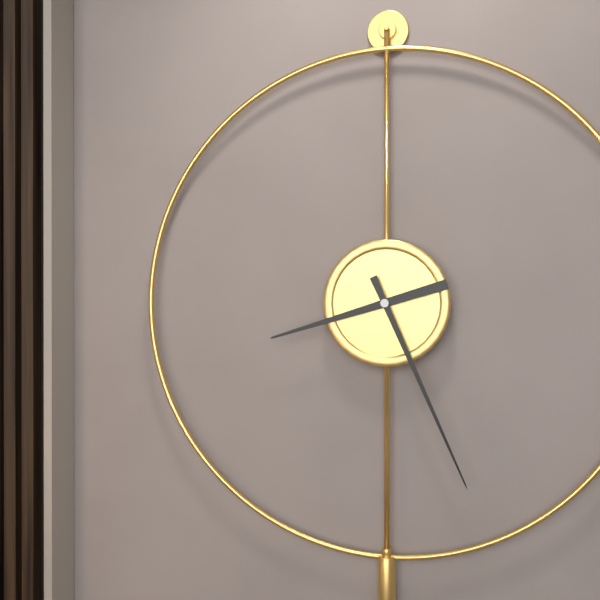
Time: h=8 m=26
